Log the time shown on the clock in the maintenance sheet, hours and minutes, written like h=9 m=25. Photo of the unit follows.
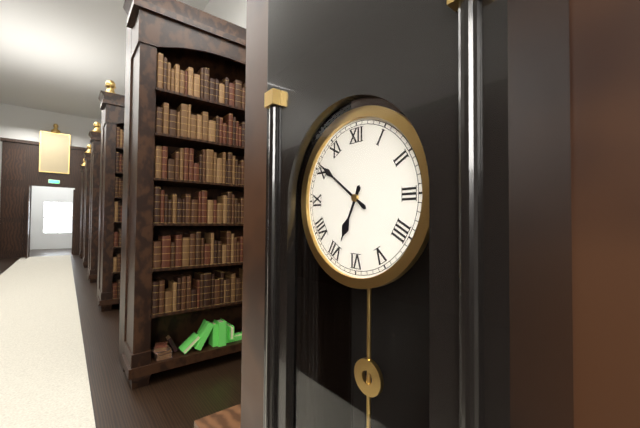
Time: h=6 m=51
